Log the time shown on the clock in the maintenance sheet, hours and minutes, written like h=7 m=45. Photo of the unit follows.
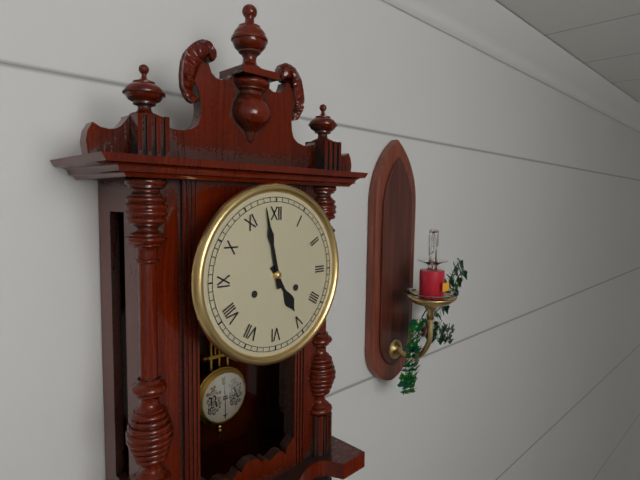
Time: h=4 m=58
